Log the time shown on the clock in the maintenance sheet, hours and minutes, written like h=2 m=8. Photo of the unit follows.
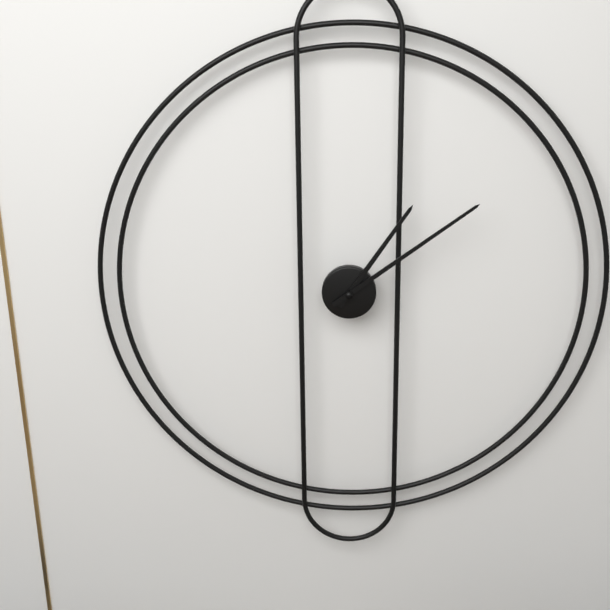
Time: h=1 m=9
